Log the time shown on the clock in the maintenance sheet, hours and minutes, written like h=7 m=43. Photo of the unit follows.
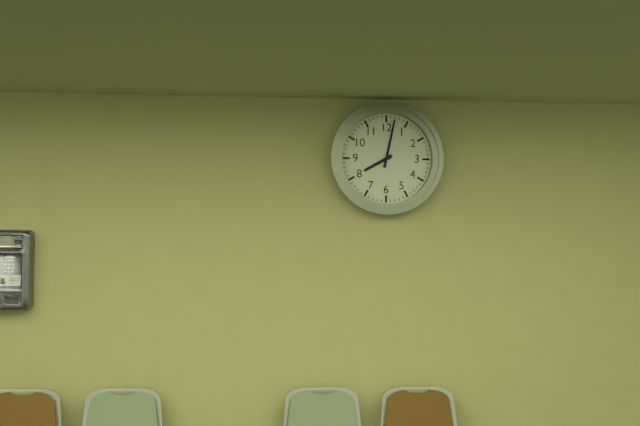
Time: h=8 m=2
